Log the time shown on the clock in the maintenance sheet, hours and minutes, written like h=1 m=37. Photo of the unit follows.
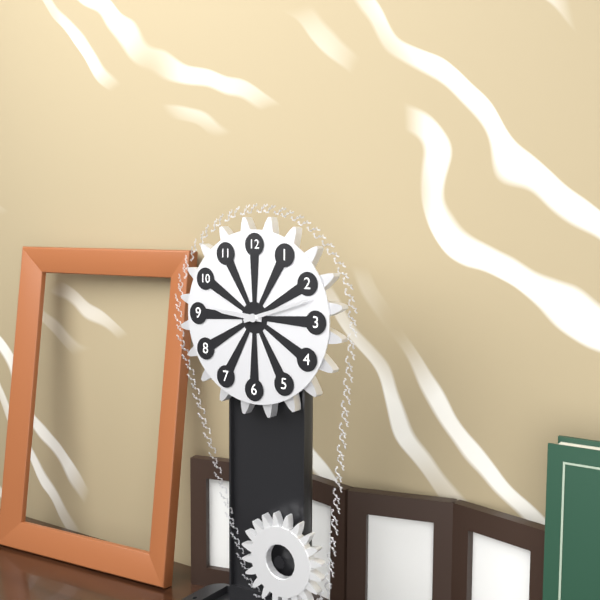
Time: h=9 m=12
